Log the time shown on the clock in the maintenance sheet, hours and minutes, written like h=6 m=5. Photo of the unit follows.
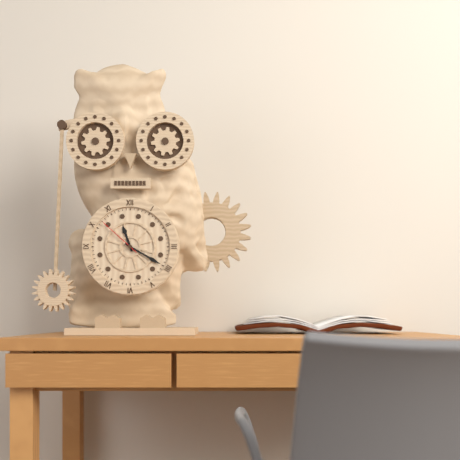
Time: h=11 m=20
